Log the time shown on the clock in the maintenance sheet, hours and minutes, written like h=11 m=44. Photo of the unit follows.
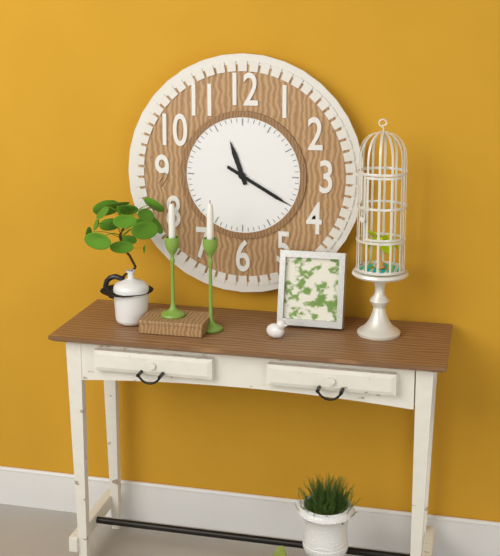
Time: h=11 m=20
